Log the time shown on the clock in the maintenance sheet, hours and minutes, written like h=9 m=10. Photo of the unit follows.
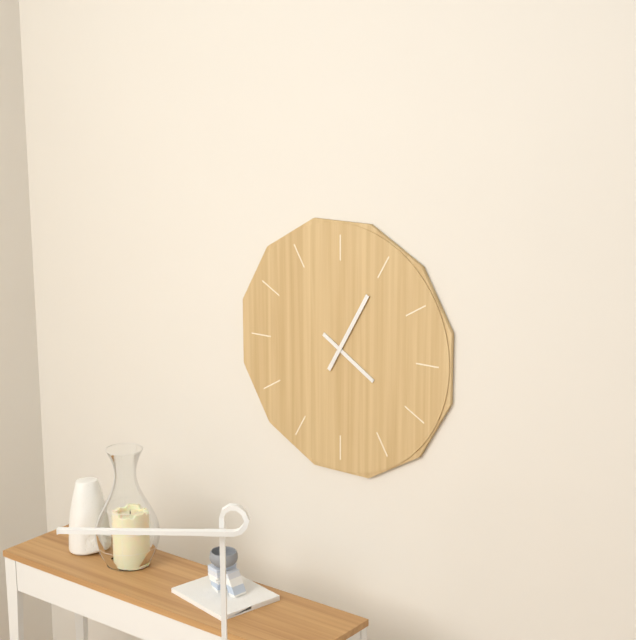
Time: h=4 m=5
